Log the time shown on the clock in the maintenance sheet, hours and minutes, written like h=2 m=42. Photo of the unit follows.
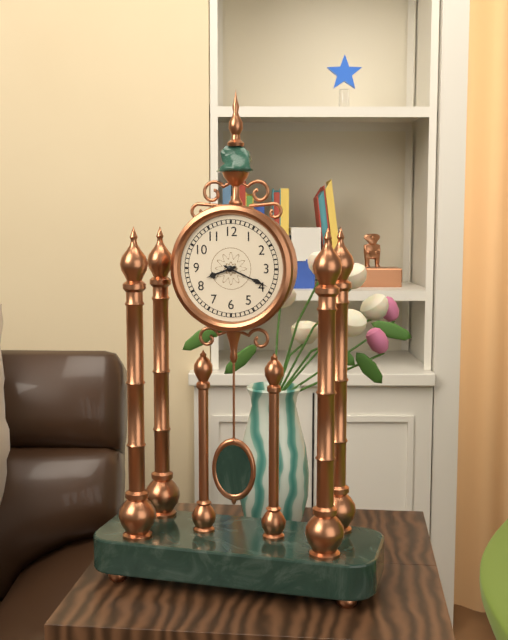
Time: h=8 m=19
